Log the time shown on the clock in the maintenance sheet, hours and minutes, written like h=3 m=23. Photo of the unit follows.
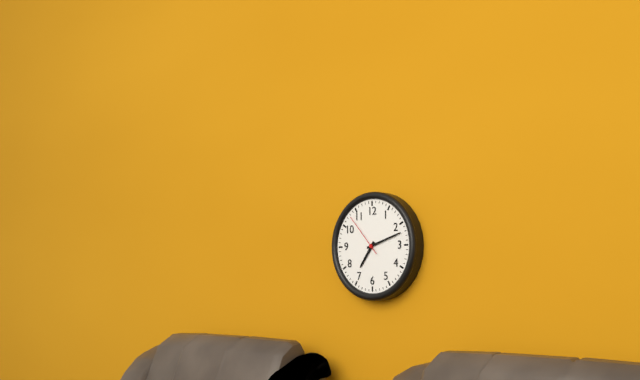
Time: h=7 m=12
